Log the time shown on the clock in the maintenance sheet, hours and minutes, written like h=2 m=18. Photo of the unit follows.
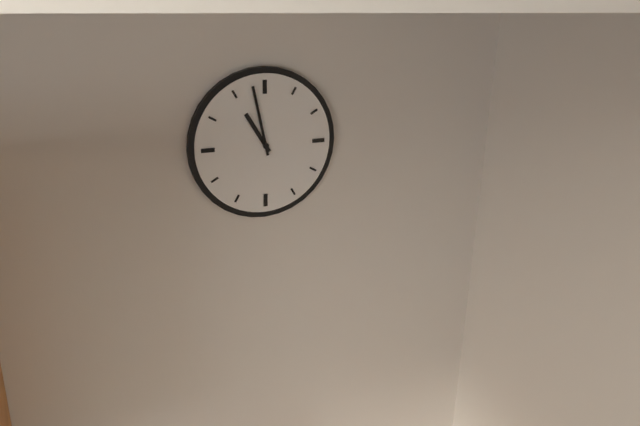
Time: h=10 m=58
